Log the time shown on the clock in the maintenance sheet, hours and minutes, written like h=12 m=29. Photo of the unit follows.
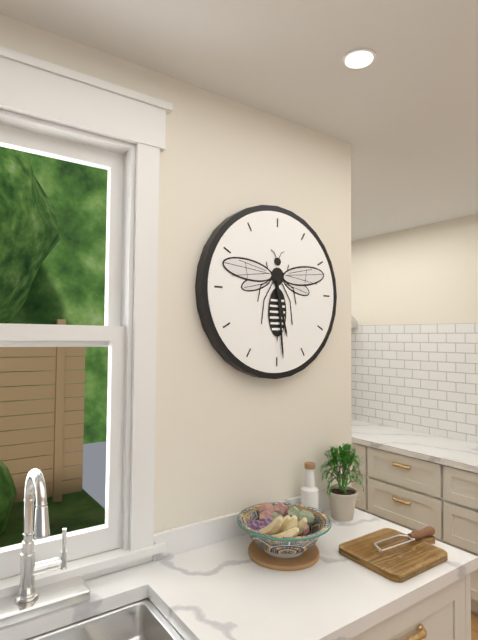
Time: h=5 m=29
